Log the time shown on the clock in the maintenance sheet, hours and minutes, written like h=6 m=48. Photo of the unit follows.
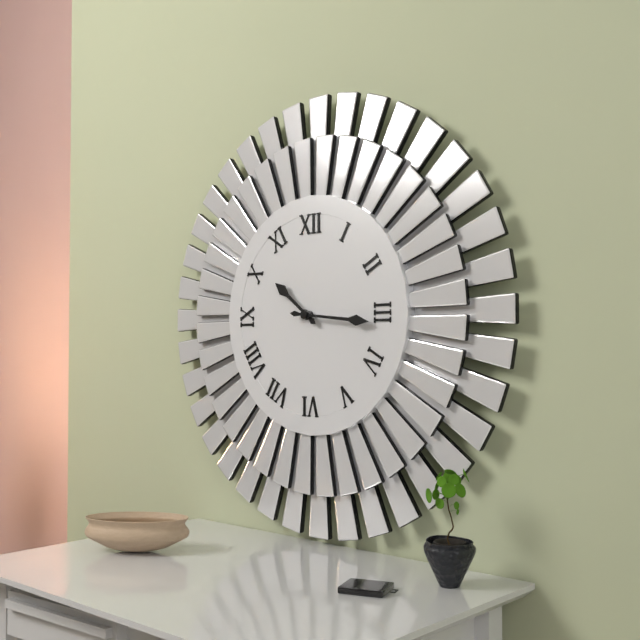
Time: h=10 m=16
